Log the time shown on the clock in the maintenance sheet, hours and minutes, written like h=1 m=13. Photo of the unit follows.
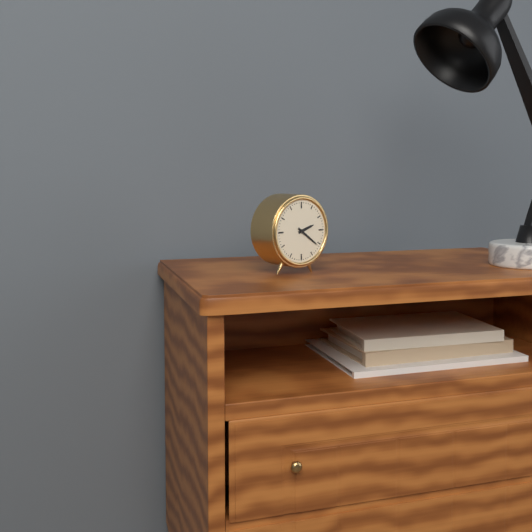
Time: h=2 m=21
